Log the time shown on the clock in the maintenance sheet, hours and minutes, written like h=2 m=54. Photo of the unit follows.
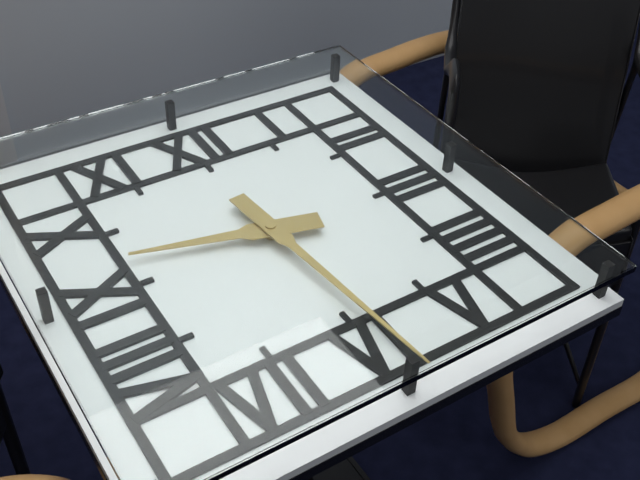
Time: h=9 m=29
